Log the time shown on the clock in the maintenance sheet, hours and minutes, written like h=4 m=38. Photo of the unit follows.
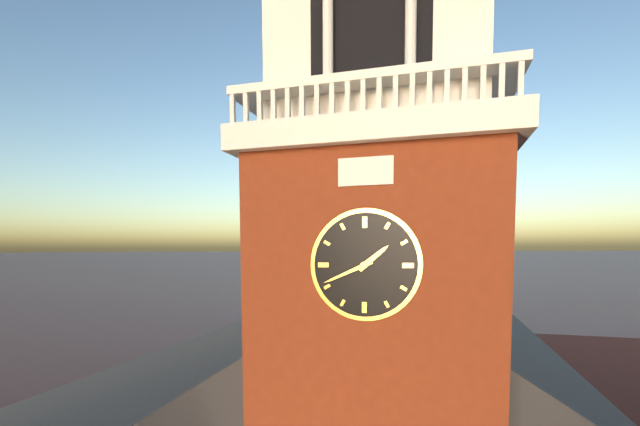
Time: h=1 m=41
